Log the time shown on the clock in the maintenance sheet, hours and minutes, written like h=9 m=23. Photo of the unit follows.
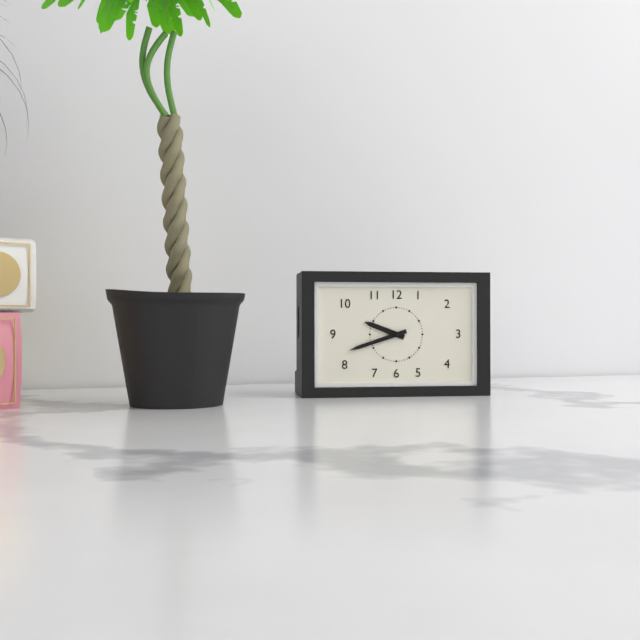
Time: h=9 m=42
